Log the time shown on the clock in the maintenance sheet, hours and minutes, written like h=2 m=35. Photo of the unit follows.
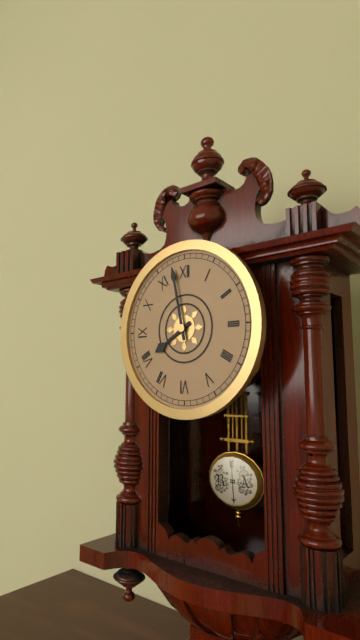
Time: h=7 m=58
